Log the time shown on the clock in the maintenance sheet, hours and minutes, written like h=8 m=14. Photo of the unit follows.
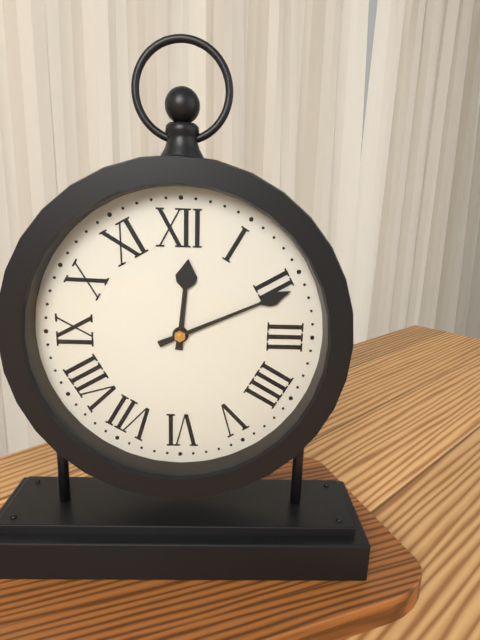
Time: h=12 m=11
